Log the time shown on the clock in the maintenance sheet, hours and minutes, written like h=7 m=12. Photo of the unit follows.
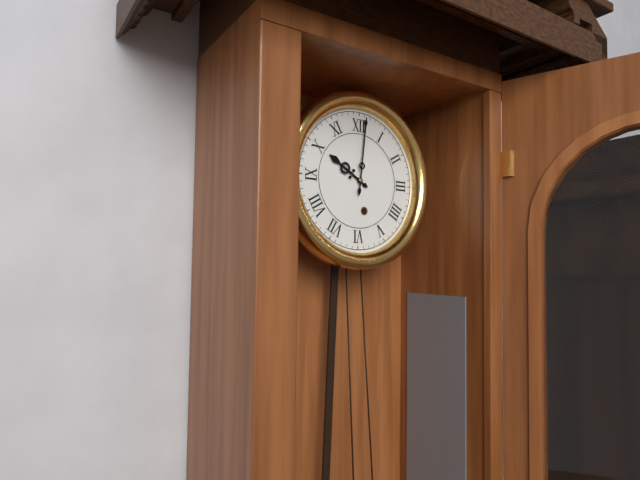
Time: h=10 m=1
